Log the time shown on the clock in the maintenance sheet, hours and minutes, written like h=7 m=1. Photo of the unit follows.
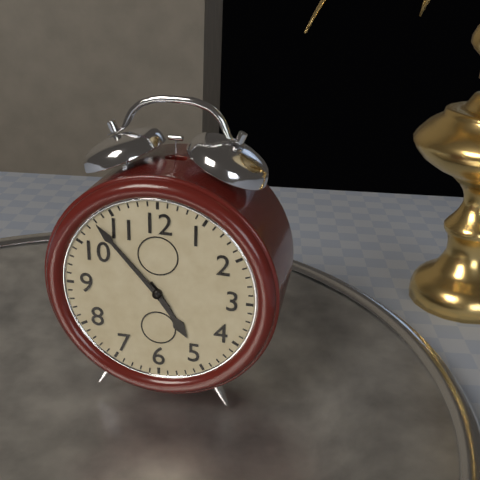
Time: h=4 m=53
